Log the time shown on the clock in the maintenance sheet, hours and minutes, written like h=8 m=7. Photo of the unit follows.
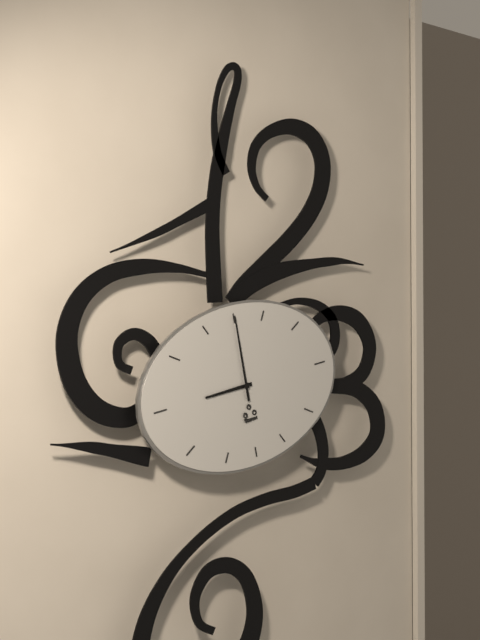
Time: h=9 m=0
